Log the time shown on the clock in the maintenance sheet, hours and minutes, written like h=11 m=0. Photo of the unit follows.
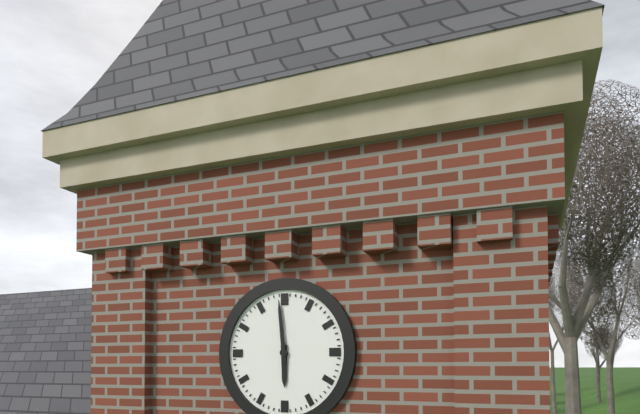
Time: h=5 m=59
